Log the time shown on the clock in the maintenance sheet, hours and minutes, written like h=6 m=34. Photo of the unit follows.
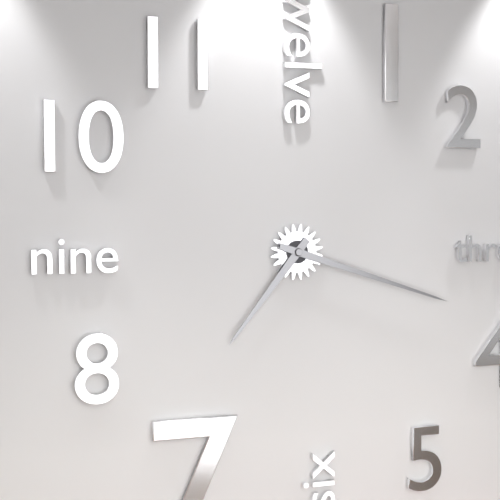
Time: h=7 m=18
